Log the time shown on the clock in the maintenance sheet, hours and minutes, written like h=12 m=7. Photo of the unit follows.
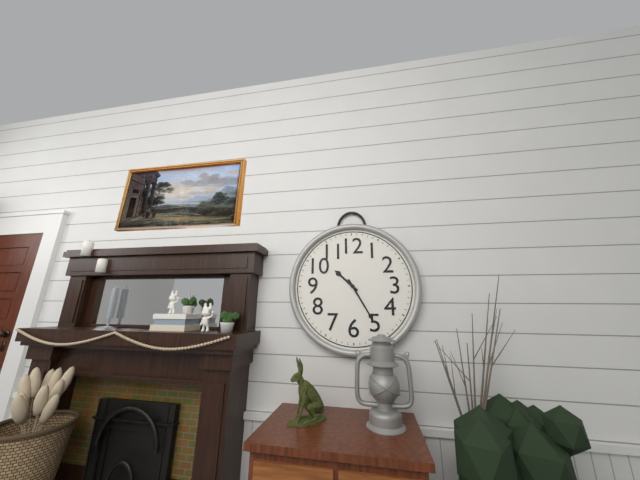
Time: h=10 m=25
